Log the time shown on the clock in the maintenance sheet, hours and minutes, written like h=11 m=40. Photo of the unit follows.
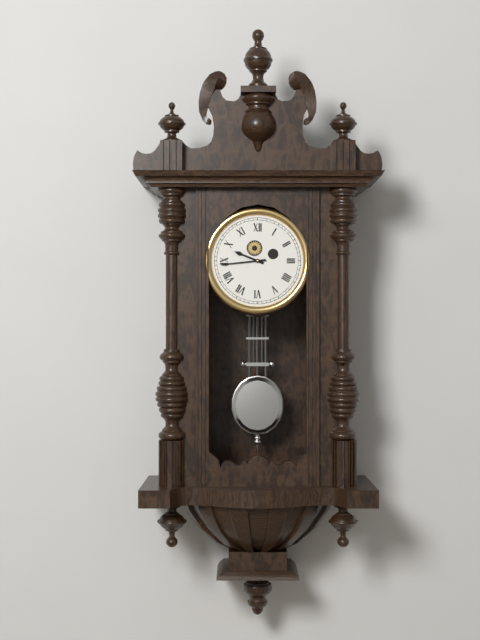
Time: h=9 m=44
